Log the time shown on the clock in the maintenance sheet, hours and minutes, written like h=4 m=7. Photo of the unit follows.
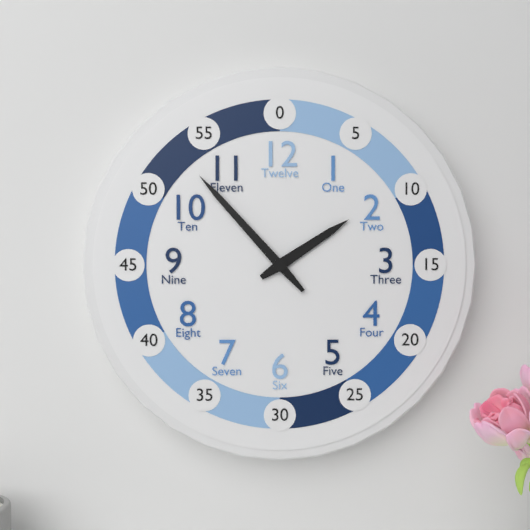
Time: h=1 m=53
